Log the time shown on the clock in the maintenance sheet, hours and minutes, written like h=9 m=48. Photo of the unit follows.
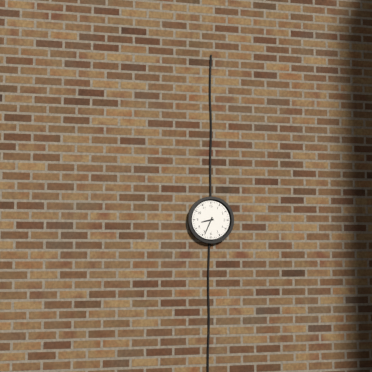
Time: h=8 m=34
